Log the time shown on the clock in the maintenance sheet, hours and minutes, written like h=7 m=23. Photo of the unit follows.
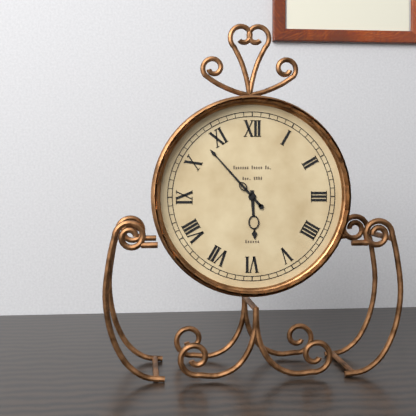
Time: h=5 m=53
